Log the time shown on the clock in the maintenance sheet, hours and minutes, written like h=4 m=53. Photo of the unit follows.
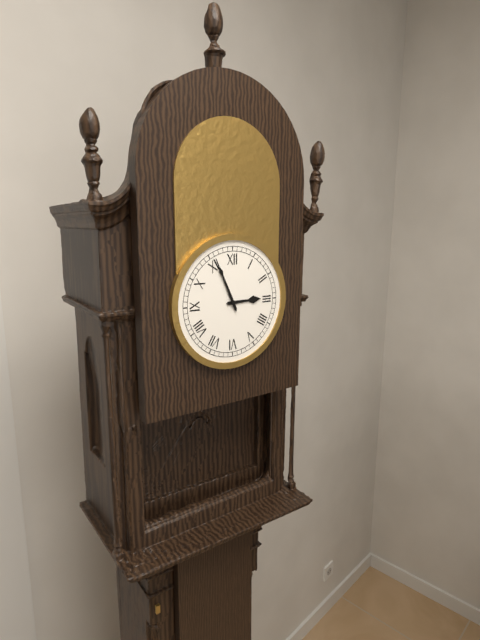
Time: h=2 m=56
